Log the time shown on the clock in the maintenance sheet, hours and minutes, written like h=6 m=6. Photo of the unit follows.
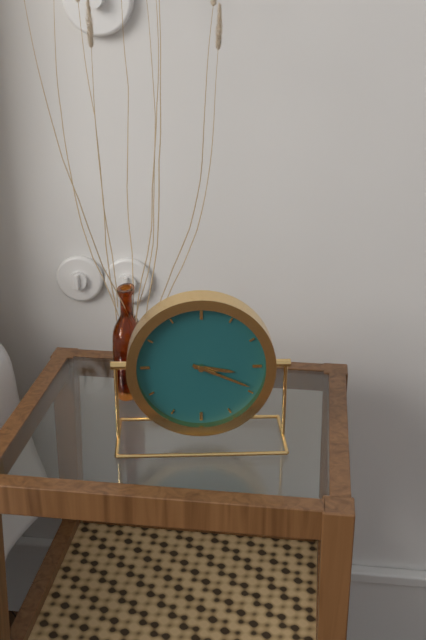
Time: h=3 m=19
